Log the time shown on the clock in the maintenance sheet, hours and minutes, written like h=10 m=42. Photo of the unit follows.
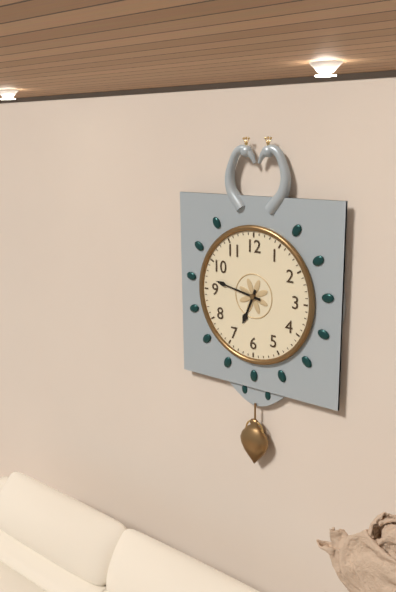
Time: h=6 m=47
